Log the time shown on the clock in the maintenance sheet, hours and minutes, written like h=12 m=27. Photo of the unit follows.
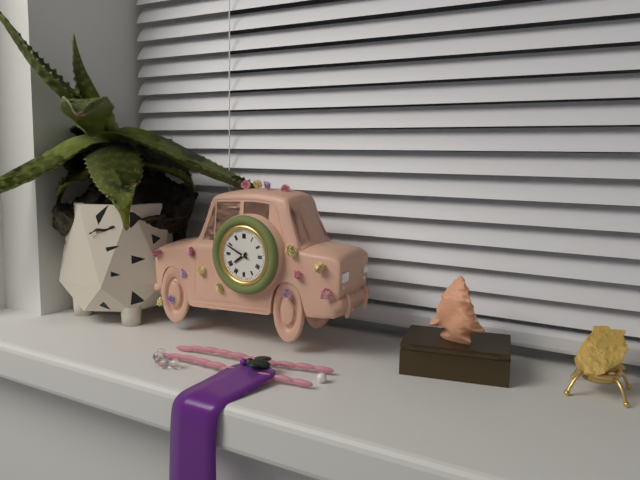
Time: h=7 m=49
